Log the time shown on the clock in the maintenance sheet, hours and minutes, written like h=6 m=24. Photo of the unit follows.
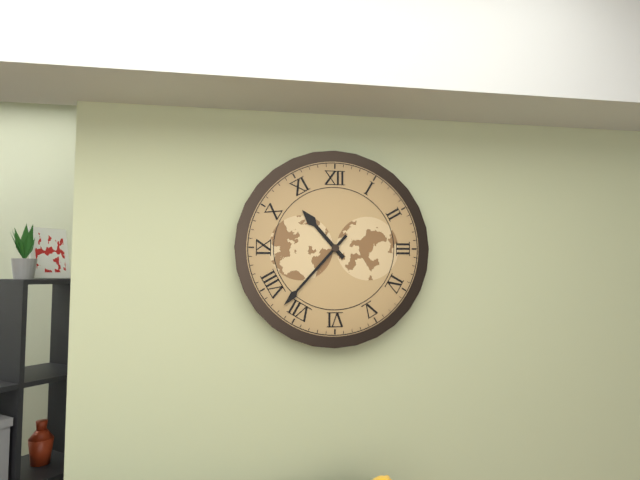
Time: h=10 m=37
